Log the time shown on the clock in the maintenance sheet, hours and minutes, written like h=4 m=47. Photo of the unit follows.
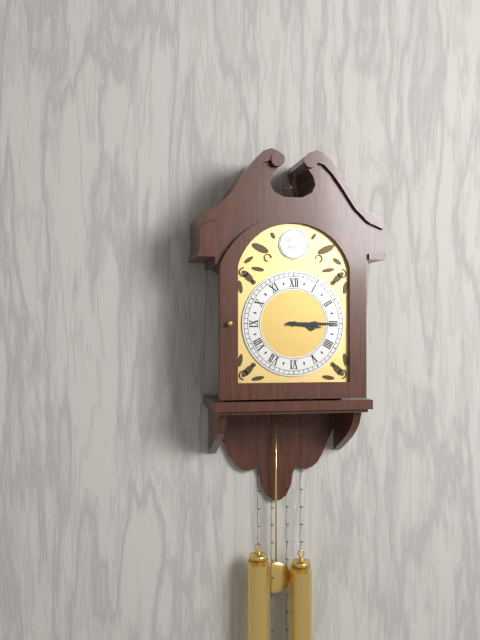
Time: h=3 m=15
